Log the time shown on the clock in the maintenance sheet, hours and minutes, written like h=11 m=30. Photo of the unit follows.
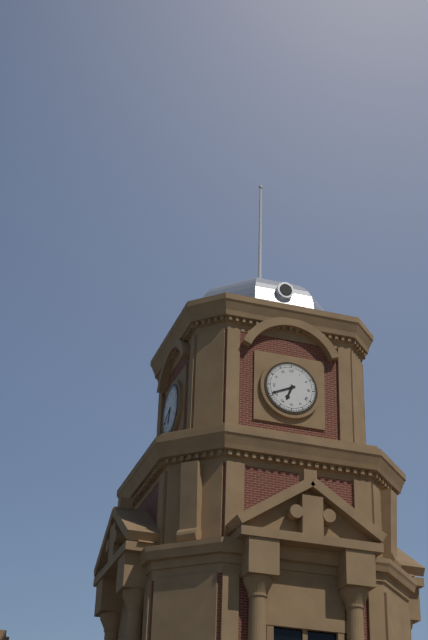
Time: h=6 m=41
